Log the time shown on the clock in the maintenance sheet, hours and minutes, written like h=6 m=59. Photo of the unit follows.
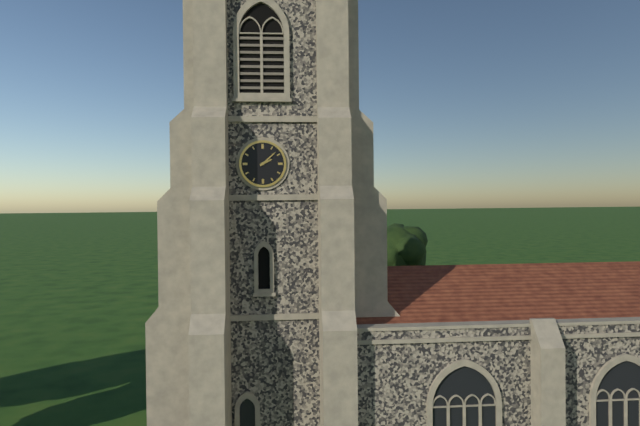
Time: h=2 m=8
